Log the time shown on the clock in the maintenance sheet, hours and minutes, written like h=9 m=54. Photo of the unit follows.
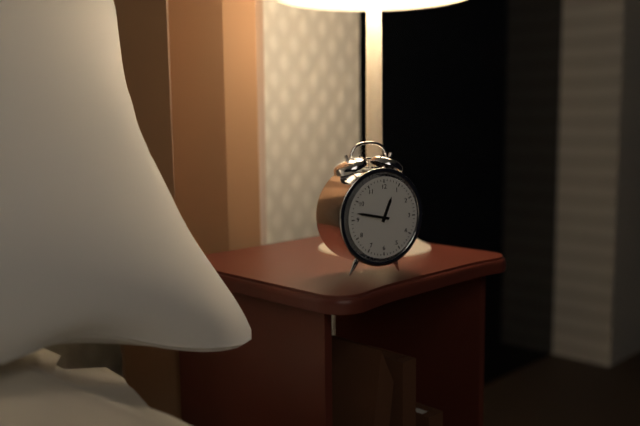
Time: h=12 m=47
